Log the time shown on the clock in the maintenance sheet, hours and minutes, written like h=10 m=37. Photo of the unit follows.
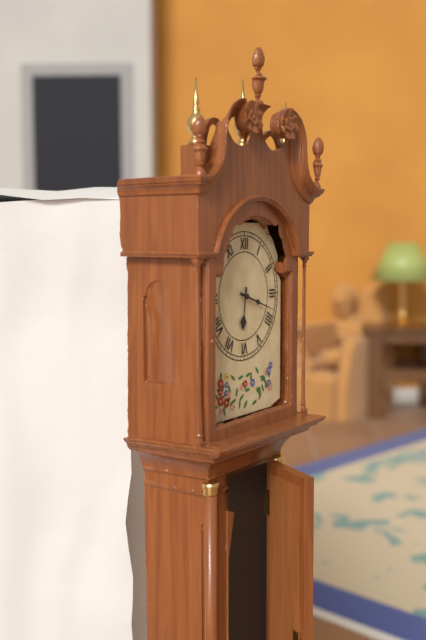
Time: h=6 m=18
